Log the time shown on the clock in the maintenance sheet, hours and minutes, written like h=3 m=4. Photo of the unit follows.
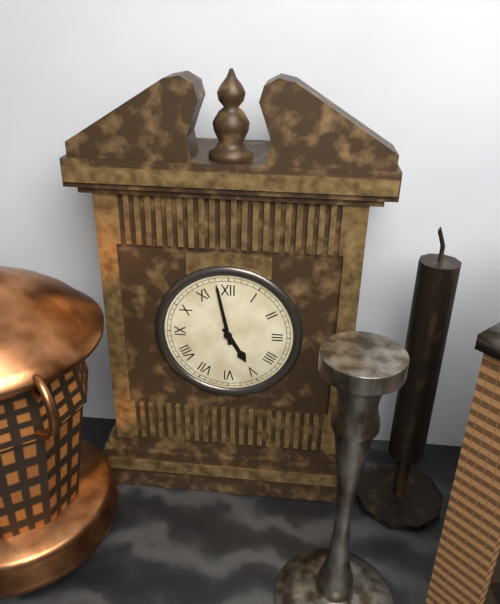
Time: h=4 m=58
